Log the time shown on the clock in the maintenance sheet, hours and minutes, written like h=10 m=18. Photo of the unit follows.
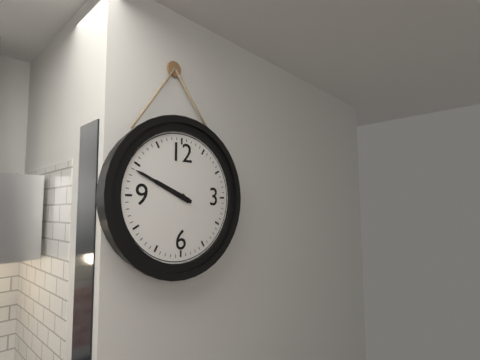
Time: h=9 m=49
